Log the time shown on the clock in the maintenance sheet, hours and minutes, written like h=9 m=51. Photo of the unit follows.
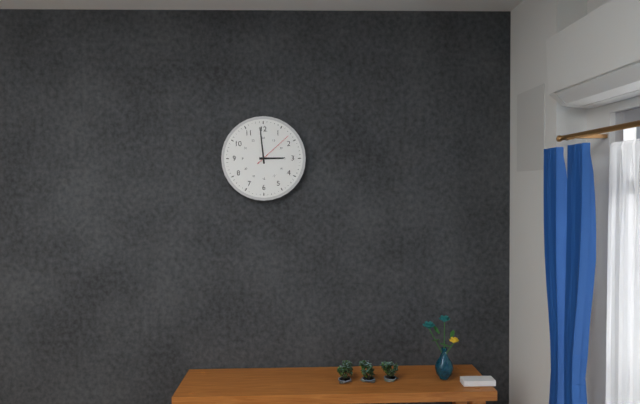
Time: h=2 m=59
